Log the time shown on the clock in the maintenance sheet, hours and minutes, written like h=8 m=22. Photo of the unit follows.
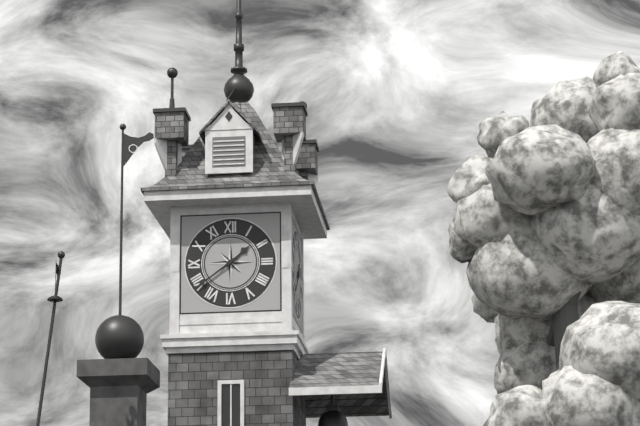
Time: h=1 m=39
